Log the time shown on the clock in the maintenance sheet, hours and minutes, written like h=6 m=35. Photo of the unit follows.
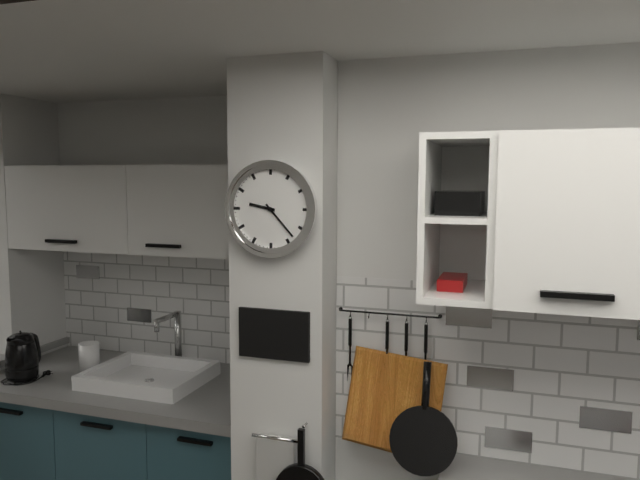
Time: h=9 m=23
